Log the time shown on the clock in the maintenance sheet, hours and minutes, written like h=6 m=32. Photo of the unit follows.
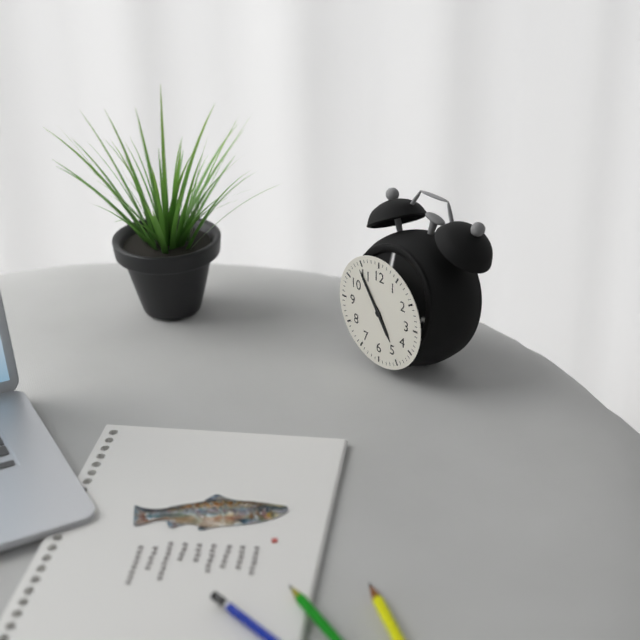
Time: h=4 m=54
